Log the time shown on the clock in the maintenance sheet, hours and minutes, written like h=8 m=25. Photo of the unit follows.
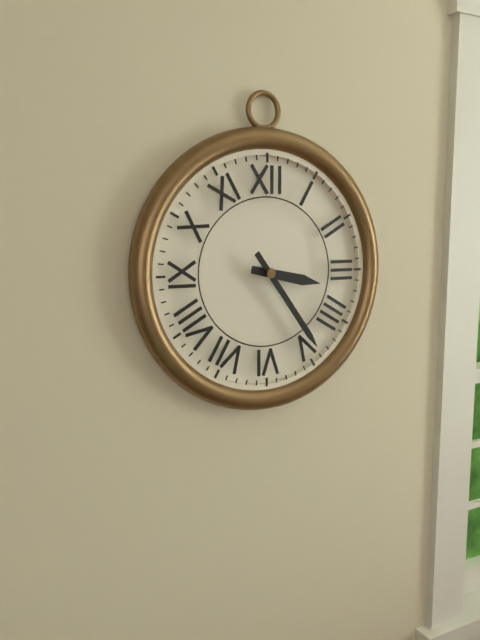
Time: h=3 m=24
